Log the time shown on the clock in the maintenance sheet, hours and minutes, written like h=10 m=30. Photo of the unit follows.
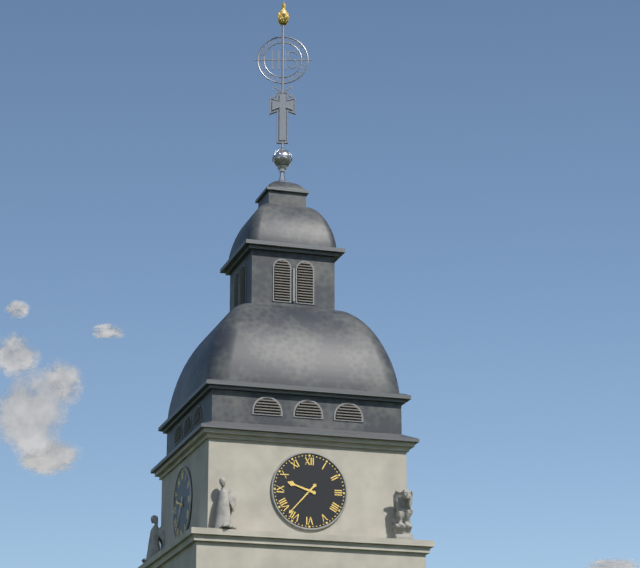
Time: h=9 m=37
